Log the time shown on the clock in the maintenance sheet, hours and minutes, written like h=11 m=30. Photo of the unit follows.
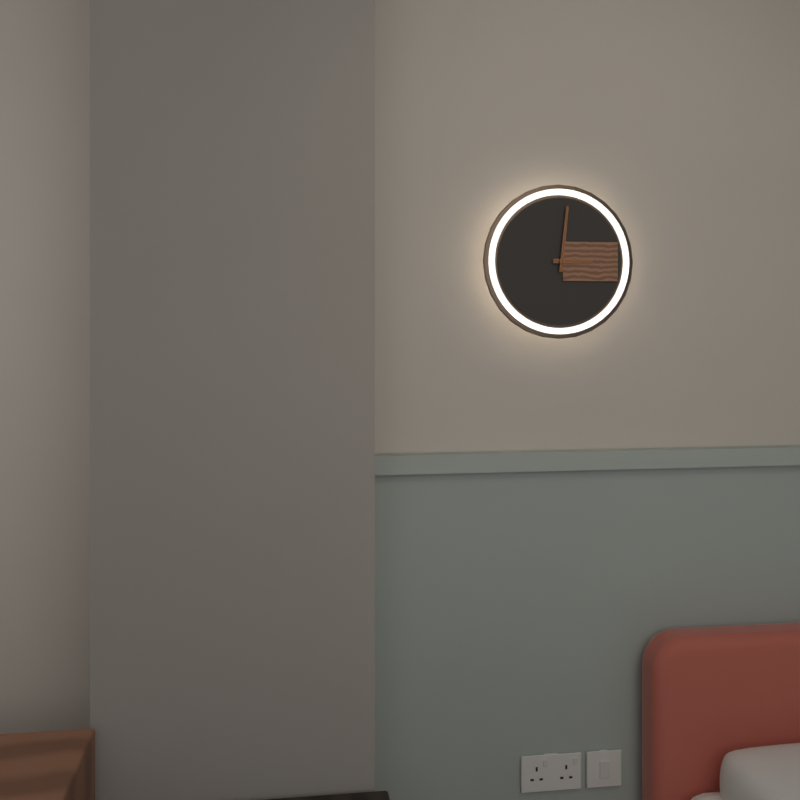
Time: h=3 m=1
